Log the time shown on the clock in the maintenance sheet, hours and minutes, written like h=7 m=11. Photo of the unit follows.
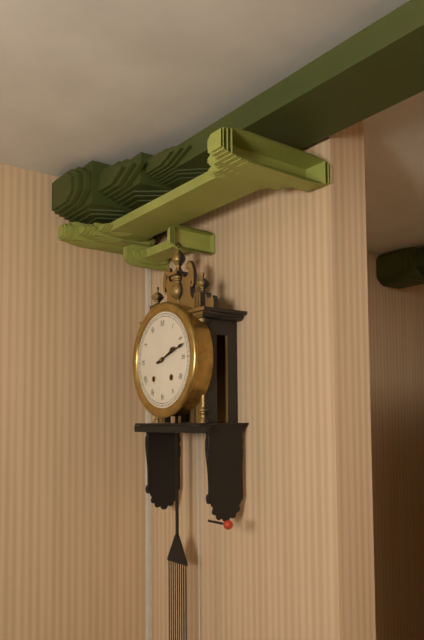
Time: h=2 m=12
